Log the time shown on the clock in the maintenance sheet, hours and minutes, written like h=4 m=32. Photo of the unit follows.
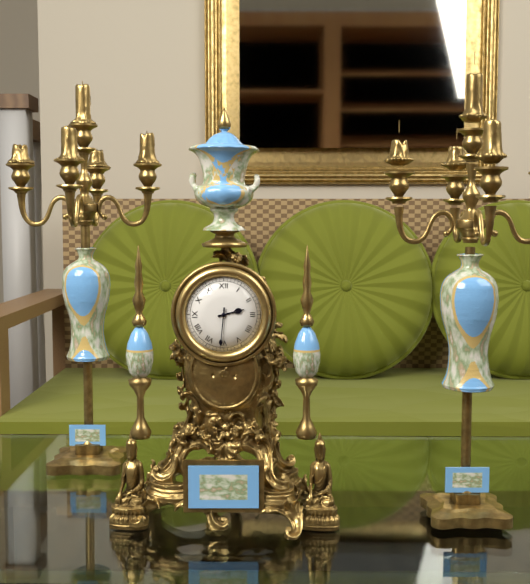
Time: h=2 m=31
